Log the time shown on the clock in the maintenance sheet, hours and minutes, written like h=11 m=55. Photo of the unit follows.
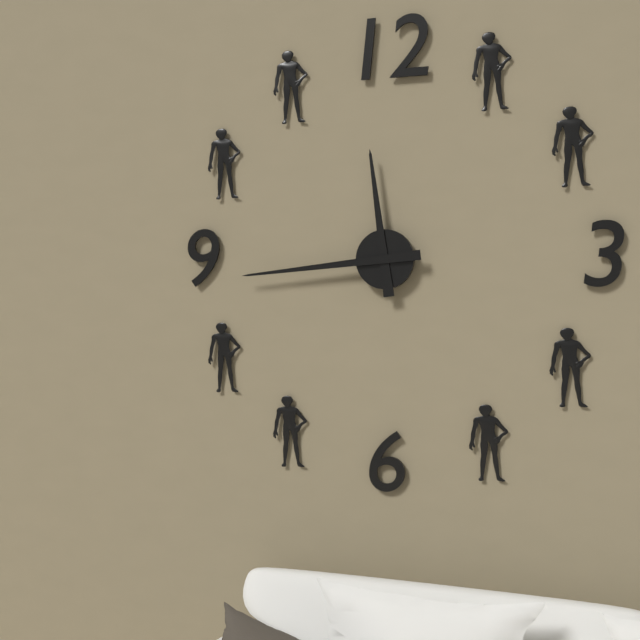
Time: h=11 m=44
